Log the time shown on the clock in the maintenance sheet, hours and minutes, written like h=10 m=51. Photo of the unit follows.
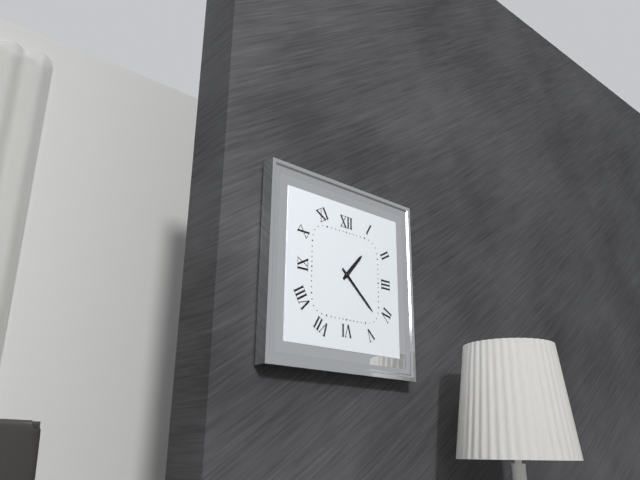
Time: h=1 m=22
